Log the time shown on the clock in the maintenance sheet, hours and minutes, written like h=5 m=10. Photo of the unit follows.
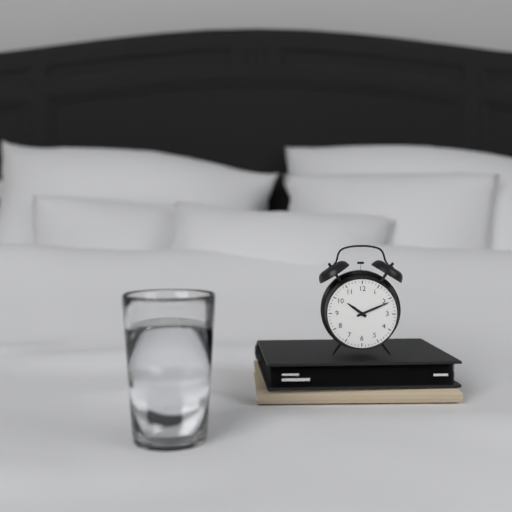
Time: h=10 m=11
